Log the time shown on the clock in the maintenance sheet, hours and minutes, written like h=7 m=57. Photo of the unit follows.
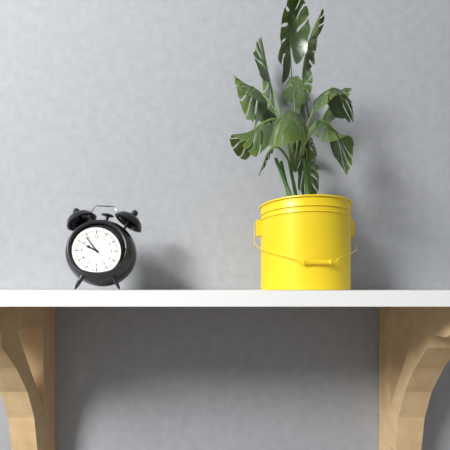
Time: h=9 m=54
